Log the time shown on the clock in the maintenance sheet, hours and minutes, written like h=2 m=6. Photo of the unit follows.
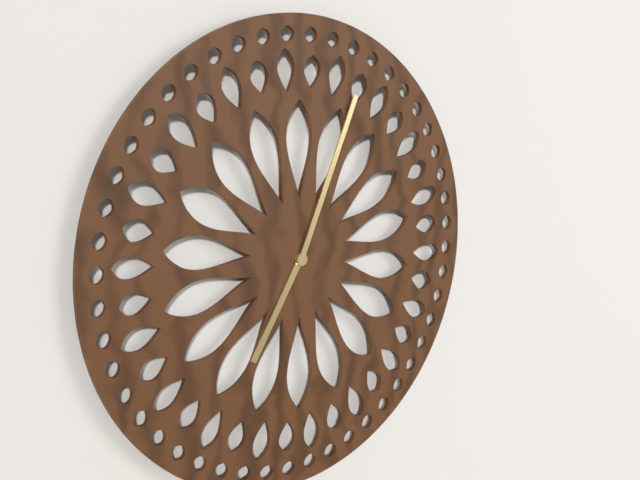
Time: h=7 m=4
